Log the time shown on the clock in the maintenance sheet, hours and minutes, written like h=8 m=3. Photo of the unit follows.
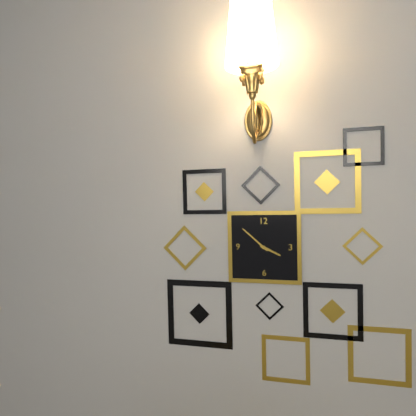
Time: h=3 m=52
